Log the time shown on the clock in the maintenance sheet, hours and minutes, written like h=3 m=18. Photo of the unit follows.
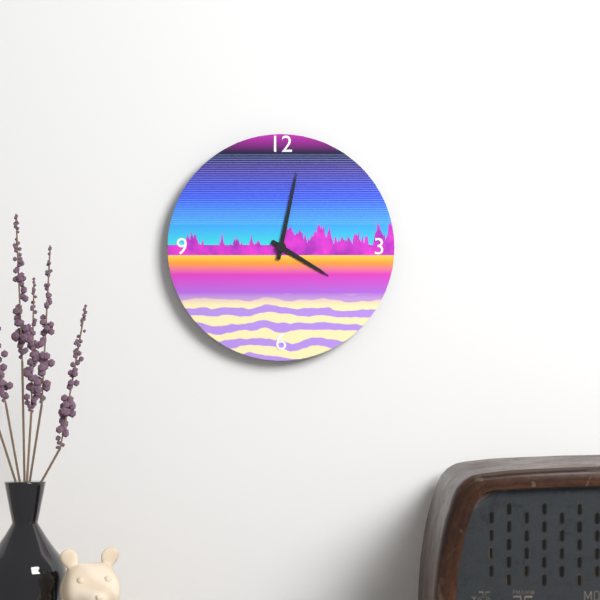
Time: h=4 m=2
